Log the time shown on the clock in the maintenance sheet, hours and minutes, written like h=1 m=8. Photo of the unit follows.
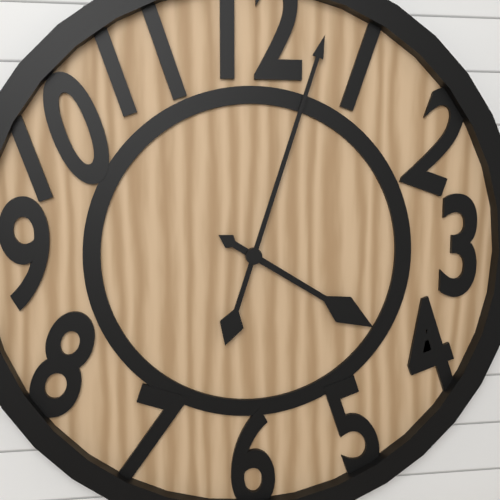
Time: h=4 m=3
